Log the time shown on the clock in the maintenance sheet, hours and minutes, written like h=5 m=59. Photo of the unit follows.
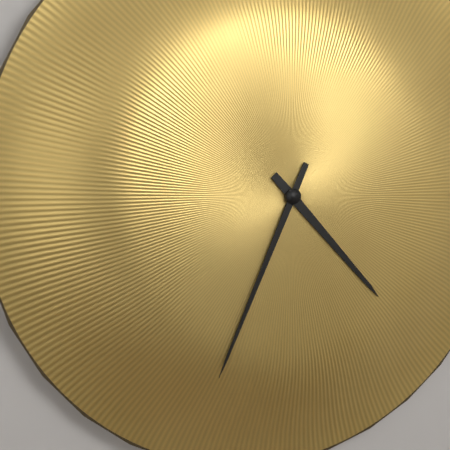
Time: h=4 m=34
